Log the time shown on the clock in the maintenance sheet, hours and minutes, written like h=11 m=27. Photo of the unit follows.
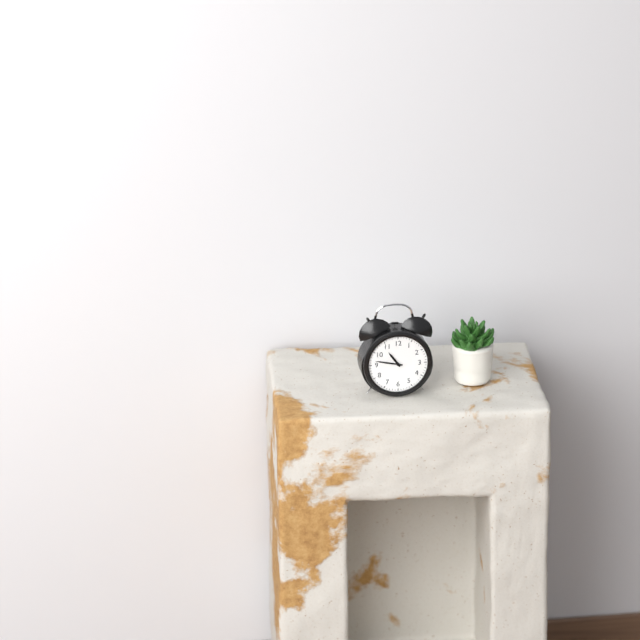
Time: h=10 m=47
